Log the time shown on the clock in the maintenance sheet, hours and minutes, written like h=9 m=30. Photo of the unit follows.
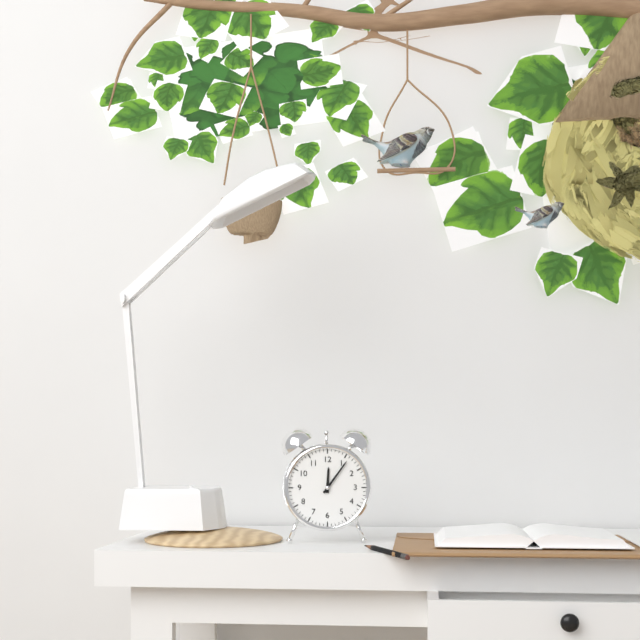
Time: h=12 m=6
